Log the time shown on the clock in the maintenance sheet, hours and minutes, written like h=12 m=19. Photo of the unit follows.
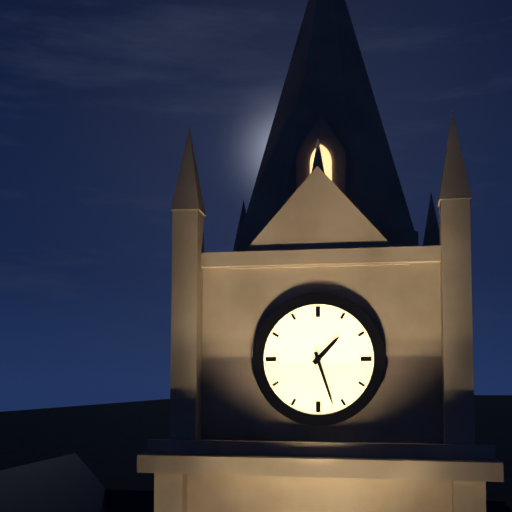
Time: h=1 m=27
